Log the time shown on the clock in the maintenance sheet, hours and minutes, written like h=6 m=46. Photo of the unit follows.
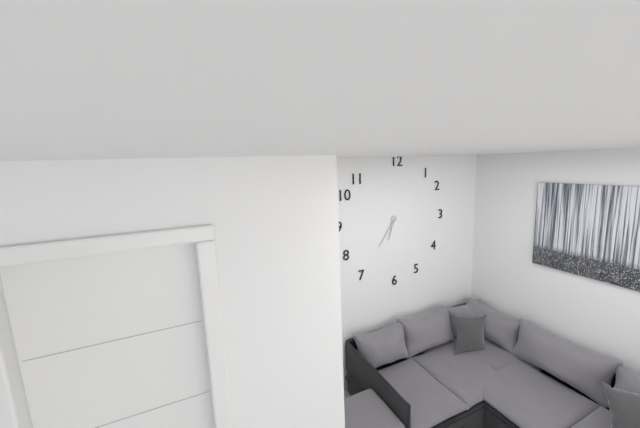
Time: h=6 m=36
